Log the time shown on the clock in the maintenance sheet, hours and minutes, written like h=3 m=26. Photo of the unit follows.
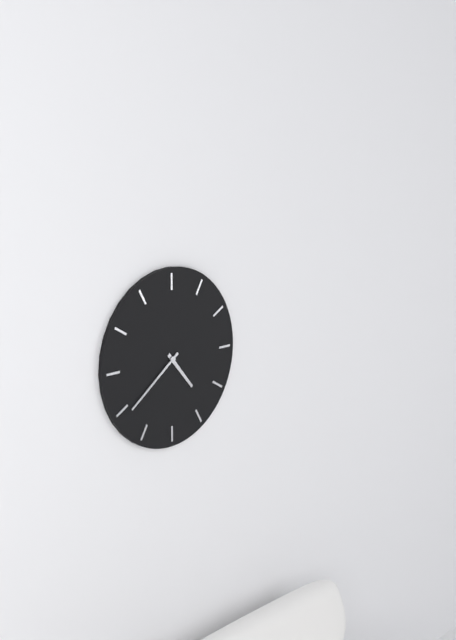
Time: h=4 m=39
